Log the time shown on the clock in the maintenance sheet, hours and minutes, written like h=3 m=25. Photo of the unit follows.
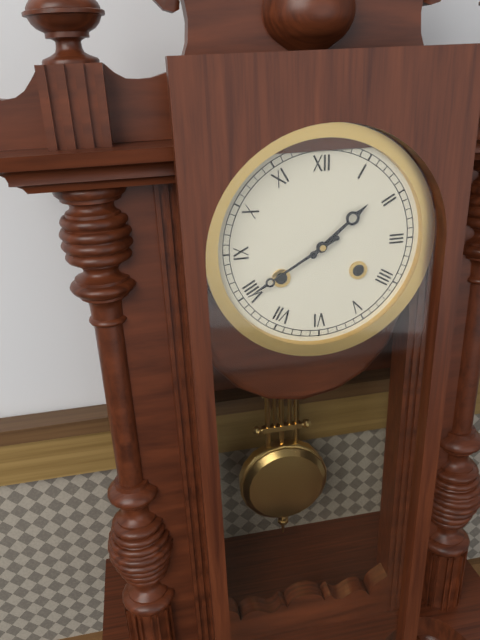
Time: h=1 m=40
